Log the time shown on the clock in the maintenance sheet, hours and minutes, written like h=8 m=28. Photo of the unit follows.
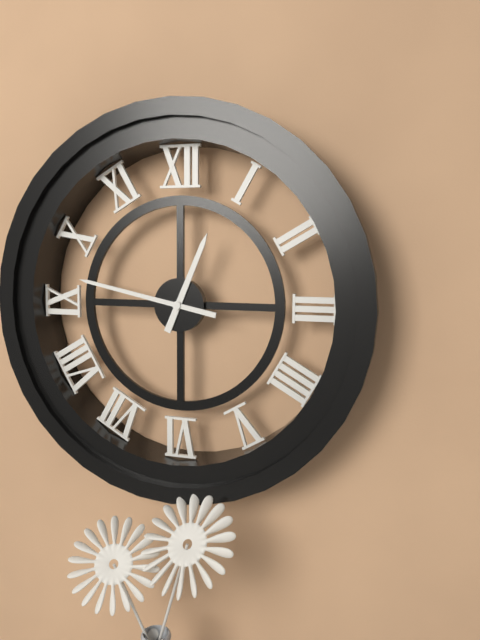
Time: h=12 m=47
